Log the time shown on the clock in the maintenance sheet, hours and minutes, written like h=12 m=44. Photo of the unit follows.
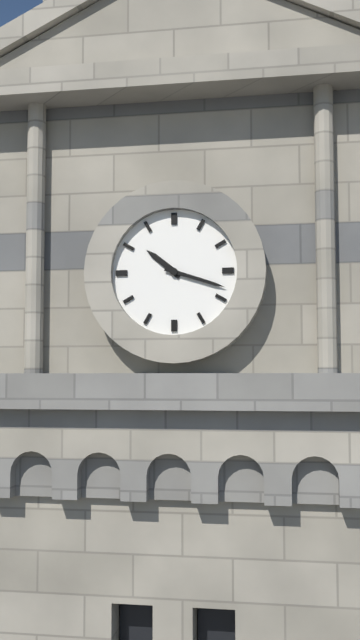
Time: h=10 m=18
